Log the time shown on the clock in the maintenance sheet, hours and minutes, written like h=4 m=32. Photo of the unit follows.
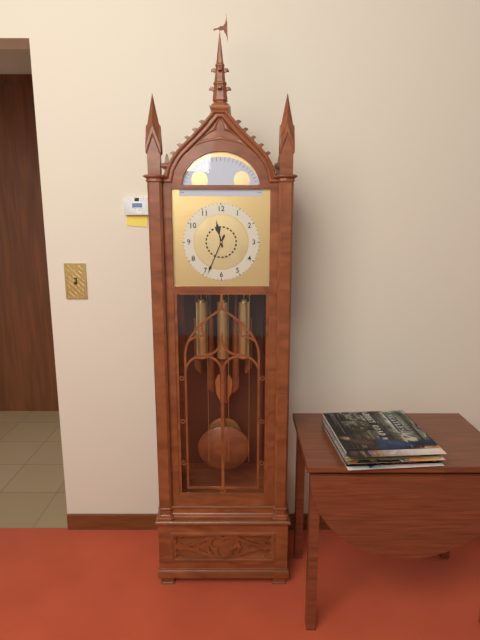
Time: h=11 m=34
